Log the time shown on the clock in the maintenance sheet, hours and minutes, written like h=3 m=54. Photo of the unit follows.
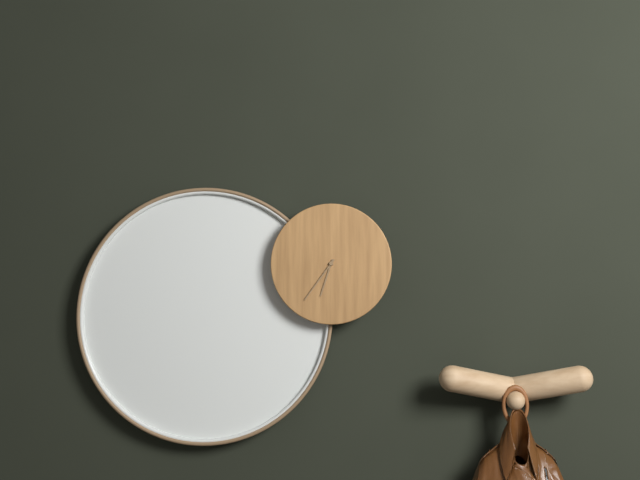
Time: h=6 m=36
